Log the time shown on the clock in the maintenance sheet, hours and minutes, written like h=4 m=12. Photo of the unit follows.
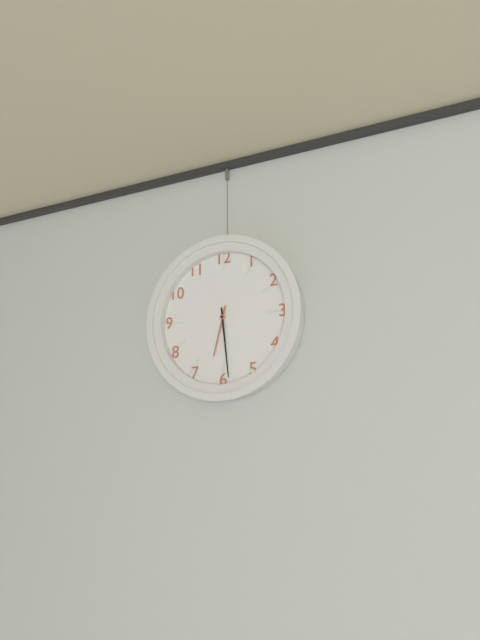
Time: h=6 m=29
